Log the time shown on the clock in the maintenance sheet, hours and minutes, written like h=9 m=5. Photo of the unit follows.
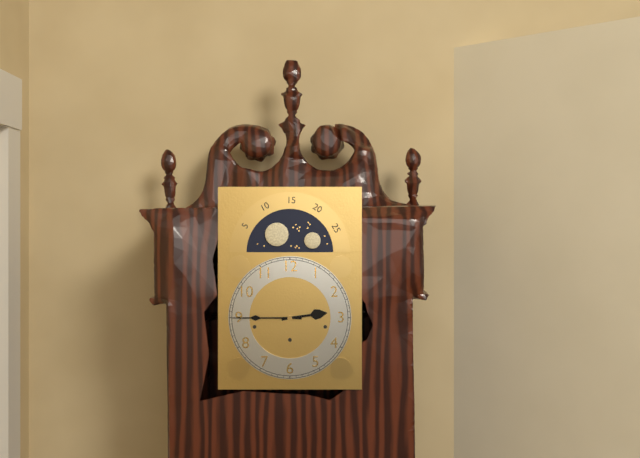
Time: h=2 m=45
